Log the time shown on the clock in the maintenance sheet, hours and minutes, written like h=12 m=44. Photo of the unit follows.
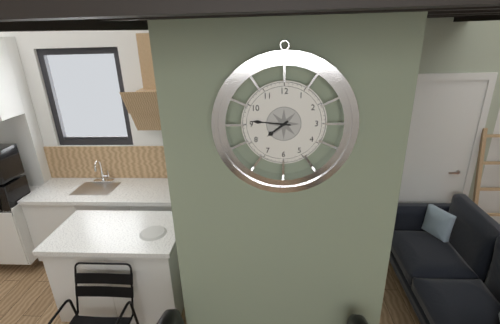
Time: h=7 m=46
